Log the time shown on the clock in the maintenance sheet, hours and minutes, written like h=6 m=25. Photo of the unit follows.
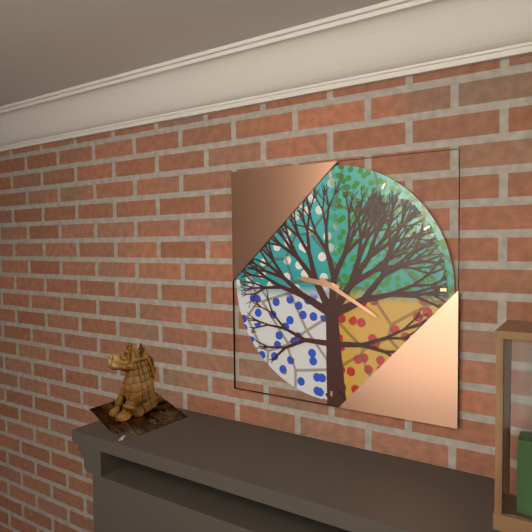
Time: h=9 m=20
